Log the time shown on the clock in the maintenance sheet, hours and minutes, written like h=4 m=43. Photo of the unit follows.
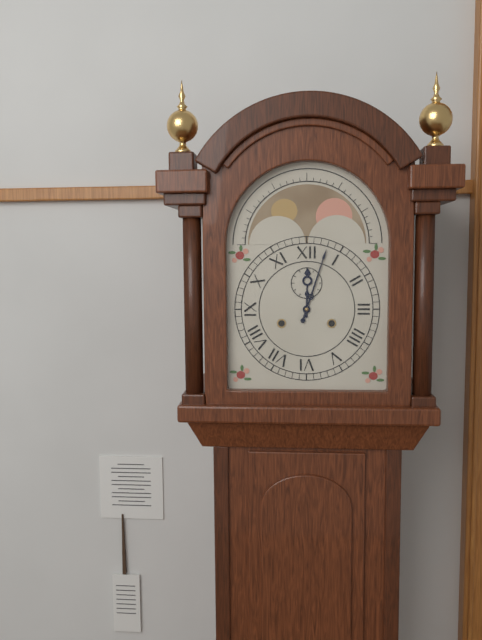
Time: h=12 m=3
